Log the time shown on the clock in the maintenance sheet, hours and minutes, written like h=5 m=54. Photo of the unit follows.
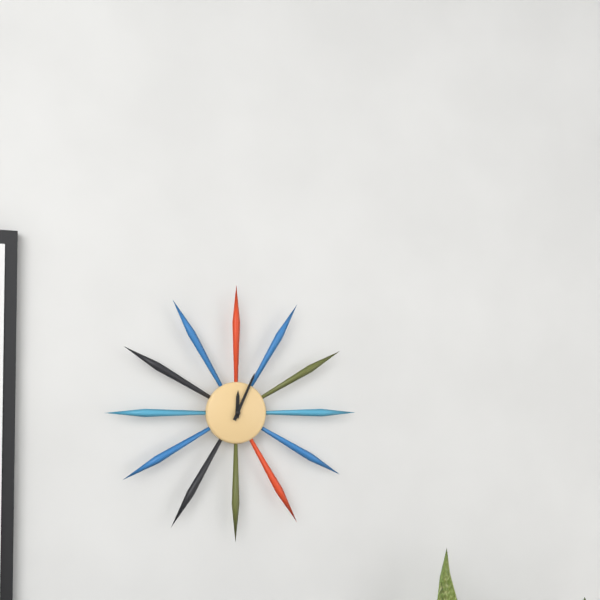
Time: h=12 m=4
